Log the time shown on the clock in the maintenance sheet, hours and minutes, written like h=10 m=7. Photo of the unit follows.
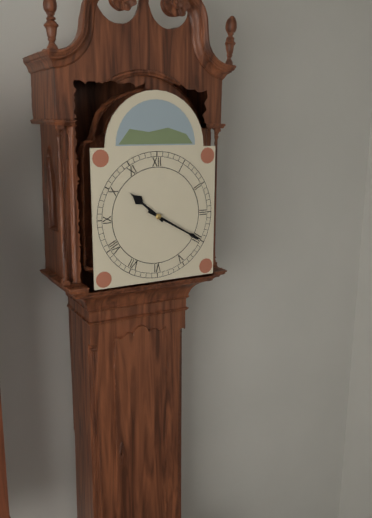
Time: h=10 m=20
